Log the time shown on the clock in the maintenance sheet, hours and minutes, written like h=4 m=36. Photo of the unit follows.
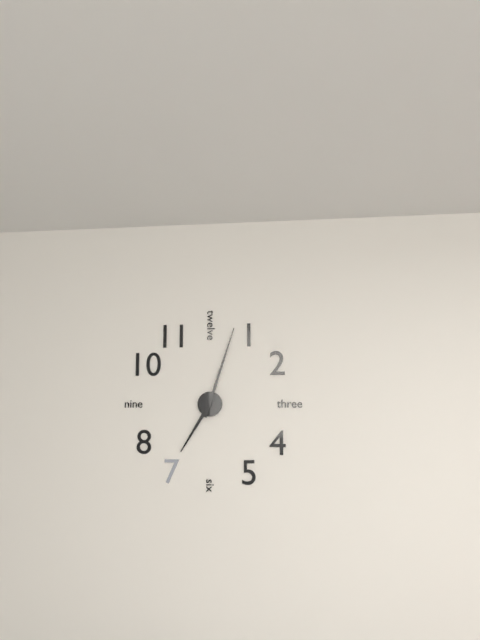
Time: h=7 m=3
